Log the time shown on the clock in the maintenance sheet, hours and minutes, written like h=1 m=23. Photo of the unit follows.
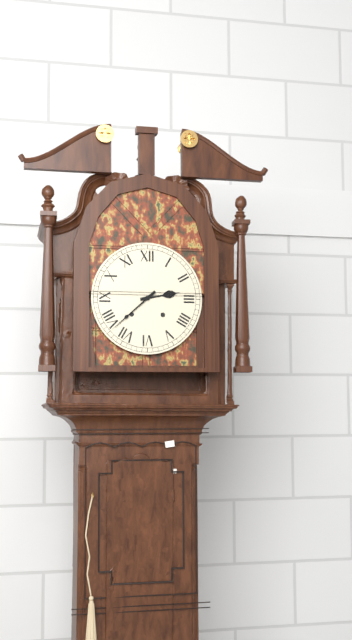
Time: h=2 m=38
